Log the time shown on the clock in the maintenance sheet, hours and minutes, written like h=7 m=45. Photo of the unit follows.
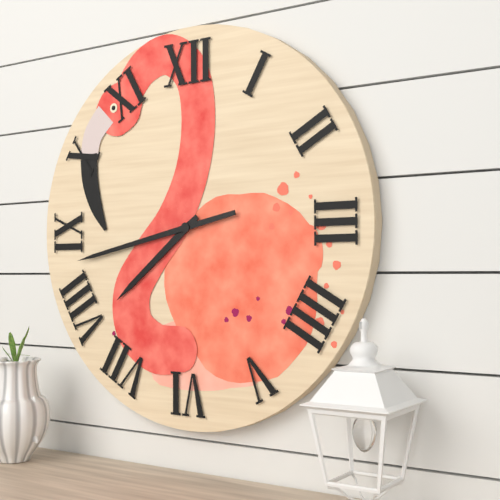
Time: h=7 m=43
